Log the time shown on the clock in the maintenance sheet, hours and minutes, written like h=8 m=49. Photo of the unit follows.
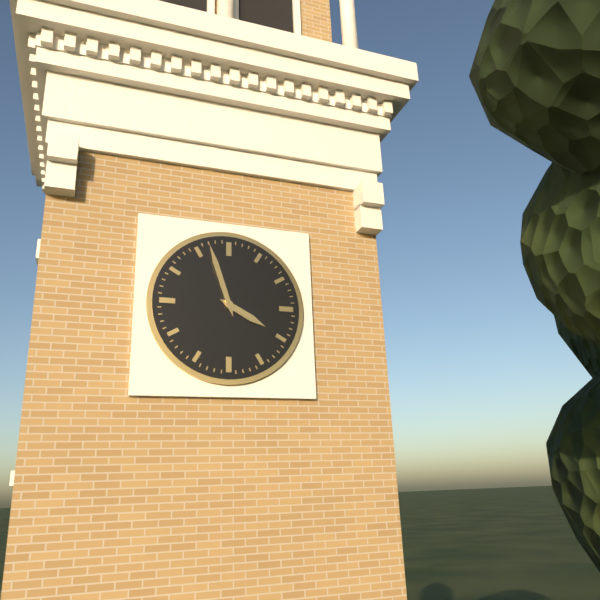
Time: h=3 m=57
